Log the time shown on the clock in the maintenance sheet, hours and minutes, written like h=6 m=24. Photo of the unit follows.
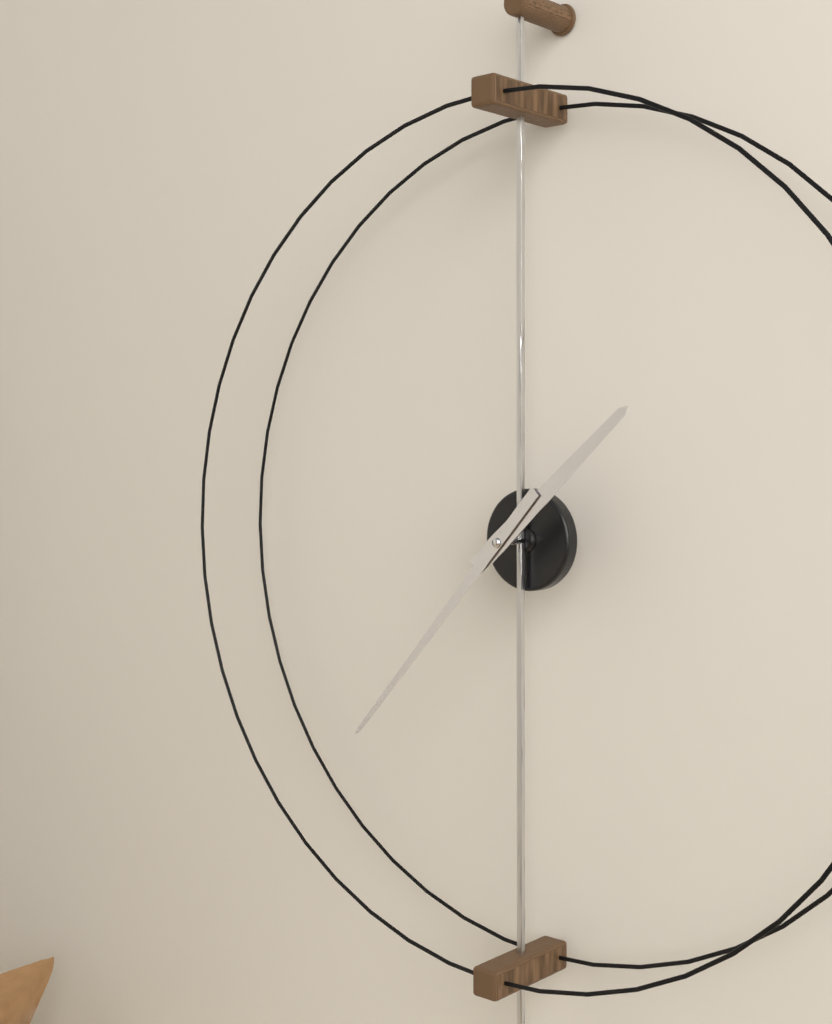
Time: h=1 m=37
